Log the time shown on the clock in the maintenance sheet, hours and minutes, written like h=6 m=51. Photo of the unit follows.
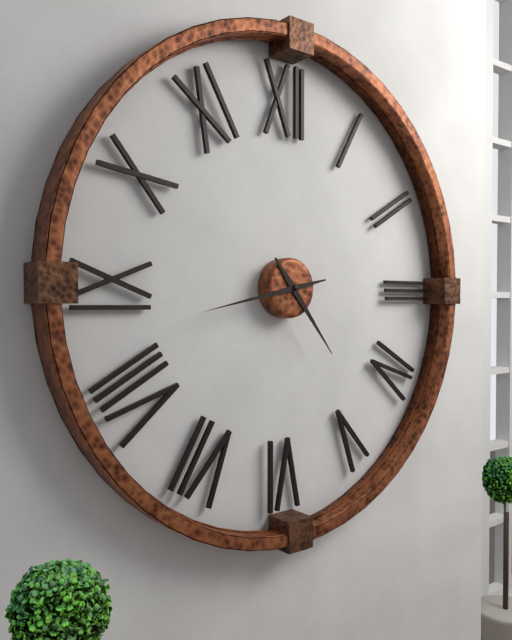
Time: h=4 m=43
